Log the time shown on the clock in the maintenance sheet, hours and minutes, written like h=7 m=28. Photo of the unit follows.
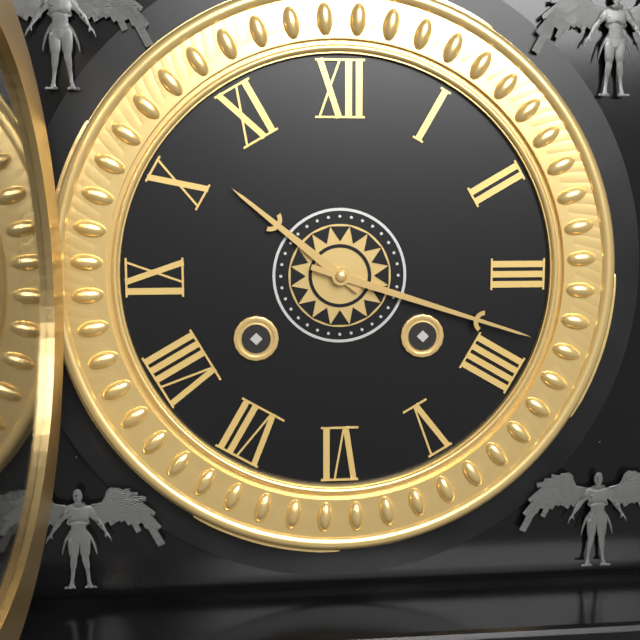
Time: h=10 m=18
